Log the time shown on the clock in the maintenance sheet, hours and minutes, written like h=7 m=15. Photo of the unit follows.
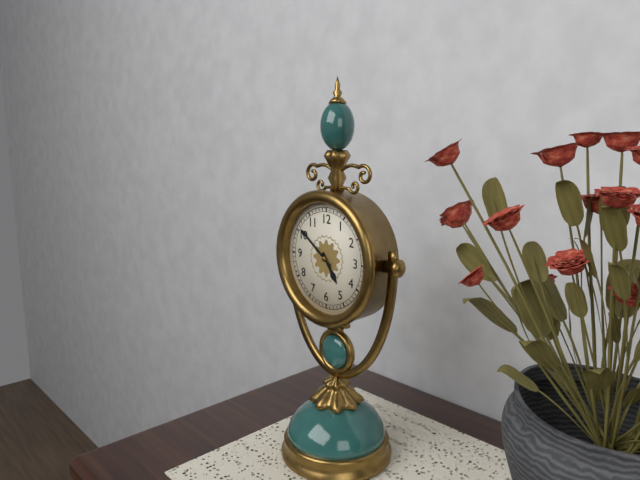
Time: h=4 m=51
